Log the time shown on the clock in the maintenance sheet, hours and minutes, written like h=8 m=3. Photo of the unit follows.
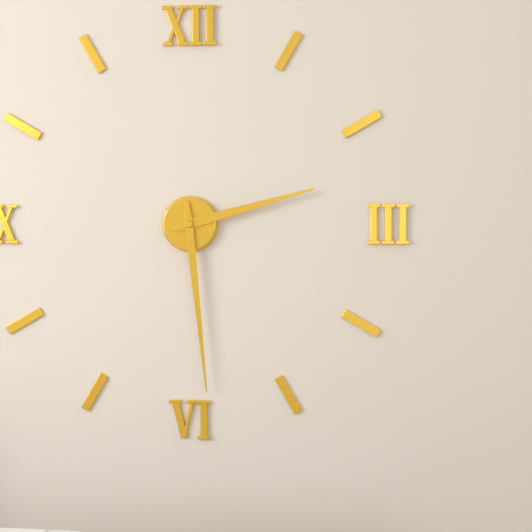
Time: h=2 m=29
